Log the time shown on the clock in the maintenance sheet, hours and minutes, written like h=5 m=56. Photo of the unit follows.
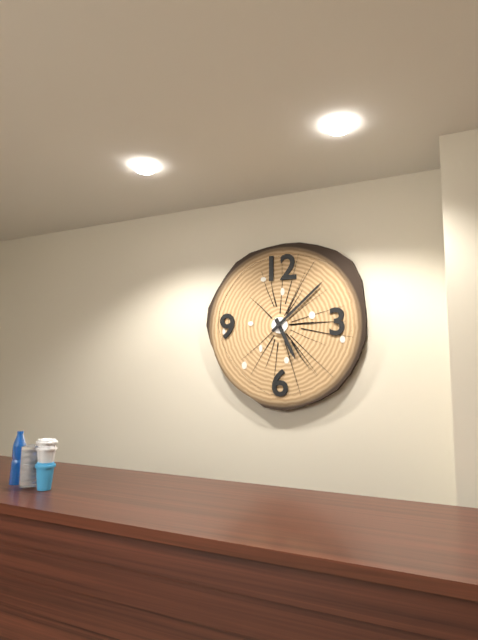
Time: h=5 m=8
